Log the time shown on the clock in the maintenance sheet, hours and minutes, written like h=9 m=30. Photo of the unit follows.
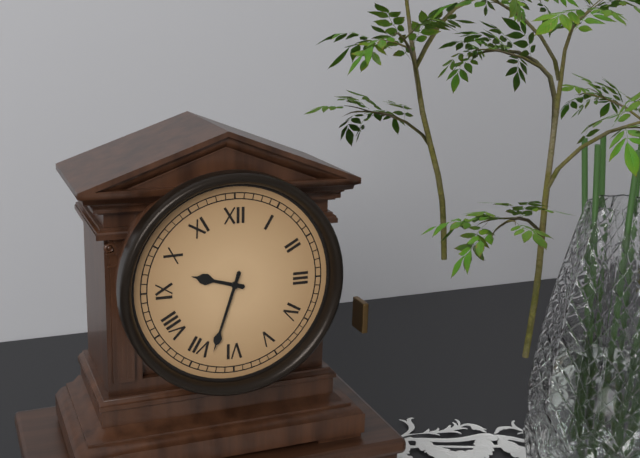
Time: h=9 m=33
